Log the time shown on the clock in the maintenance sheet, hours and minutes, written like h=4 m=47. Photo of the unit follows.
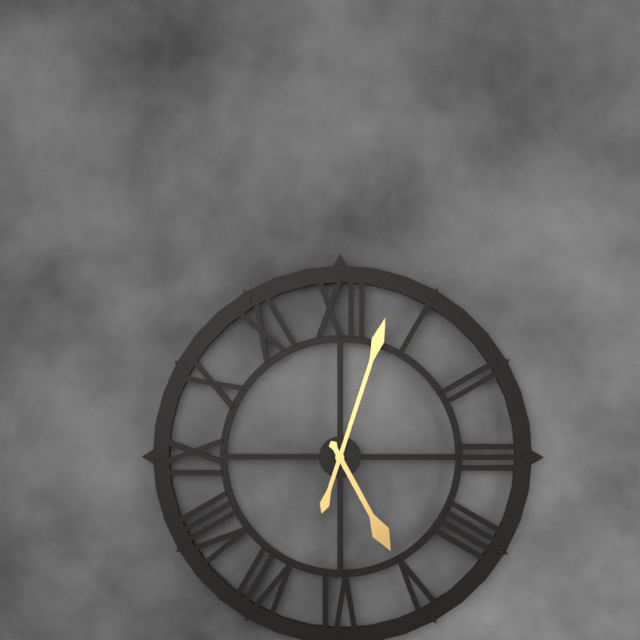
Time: h=5 m=3
